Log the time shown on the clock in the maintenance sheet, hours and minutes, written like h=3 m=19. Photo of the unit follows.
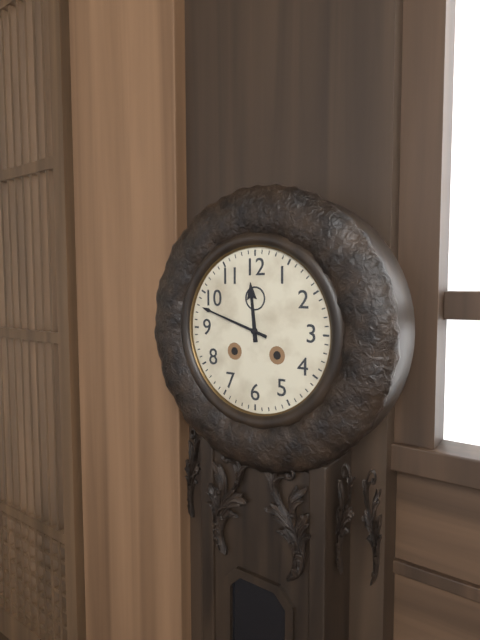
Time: h=11 m=48
